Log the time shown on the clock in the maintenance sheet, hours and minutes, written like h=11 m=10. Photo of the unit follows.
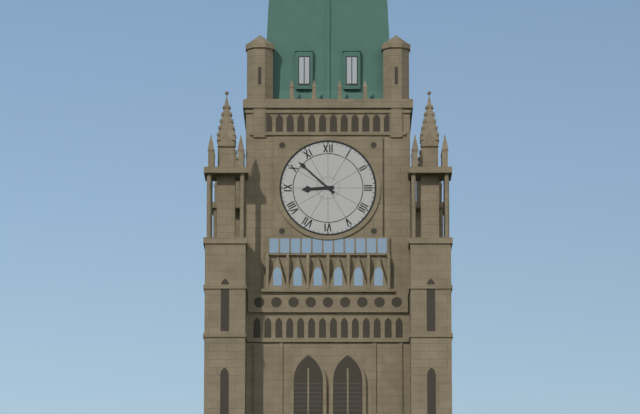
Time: h=8 m=52
